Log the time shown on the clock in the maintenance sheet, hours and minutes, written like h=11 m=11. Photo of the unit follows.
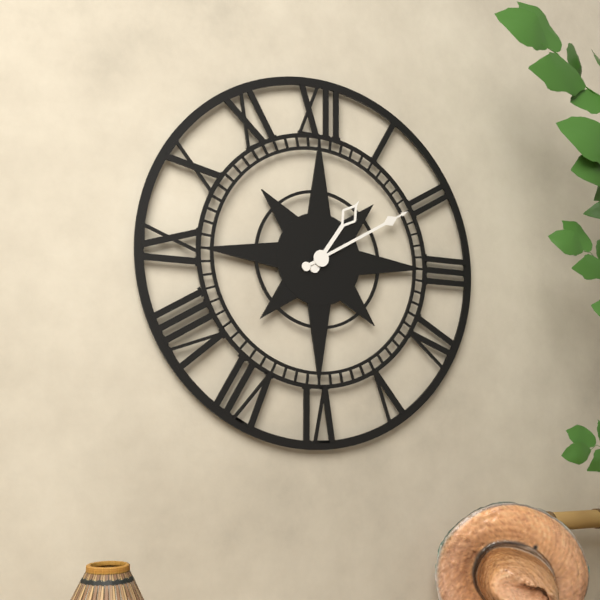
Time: h=1 m=10
